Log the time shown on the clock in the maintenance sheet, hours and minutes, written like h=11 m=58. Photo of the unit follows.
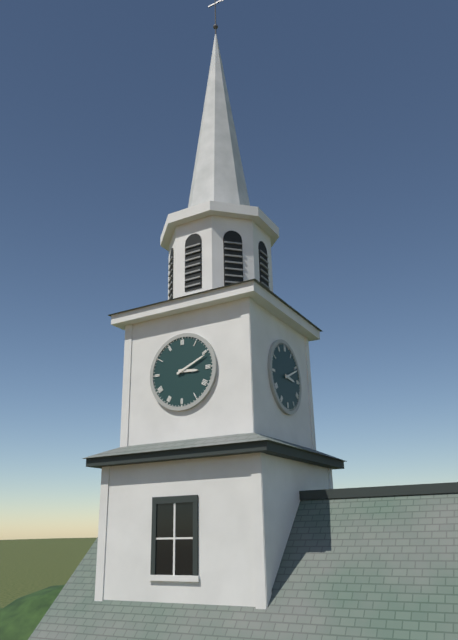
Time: h=3 m=11
